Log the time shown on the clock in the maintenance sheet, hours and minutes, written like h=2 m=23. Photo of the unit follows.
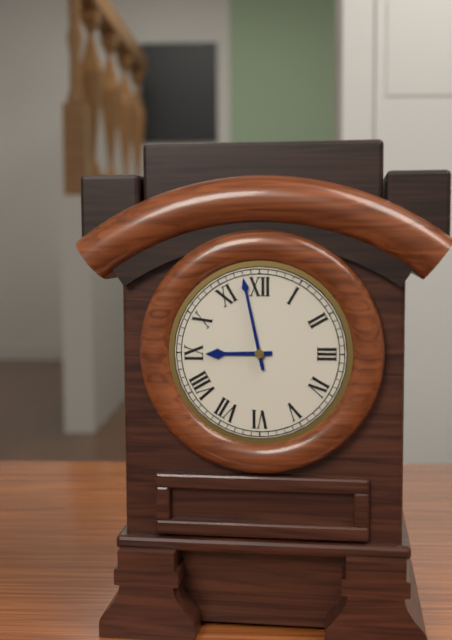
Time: h=8 m=58
